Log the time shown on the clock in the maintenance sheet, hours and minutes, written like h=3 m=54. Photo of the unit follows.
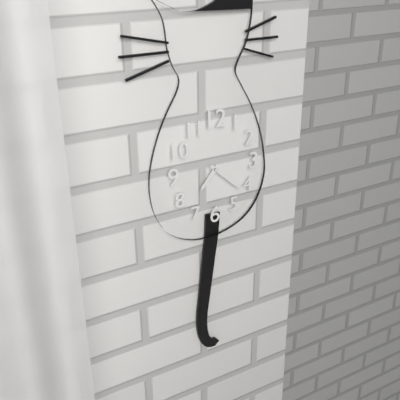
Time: h=7 m=22
